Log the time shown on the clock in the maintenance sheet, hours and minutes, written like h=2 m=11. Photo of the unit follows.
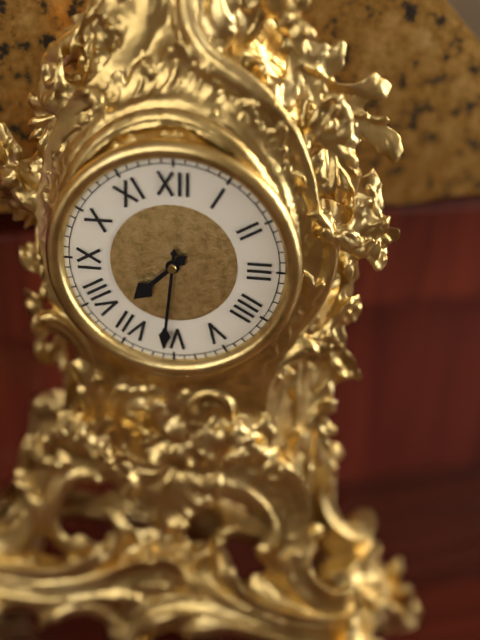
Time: h=7 m=31
